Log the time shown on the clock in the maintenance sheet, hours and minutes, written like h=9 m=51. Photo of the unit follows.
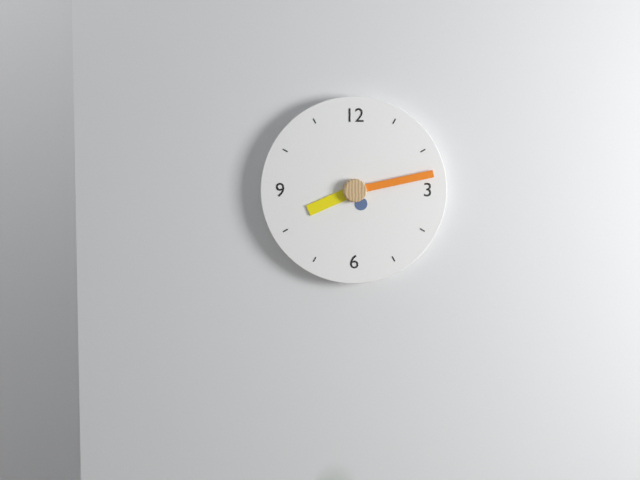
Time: h=8 m=13
